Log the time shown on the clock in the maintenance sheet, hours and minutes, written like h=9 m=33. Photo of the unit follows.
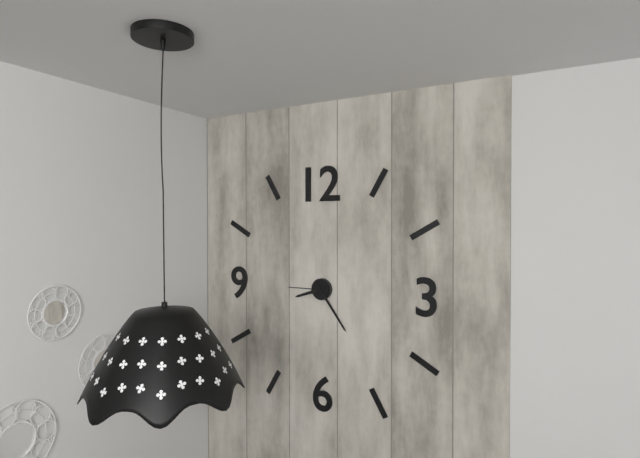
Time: h=8 m=24
